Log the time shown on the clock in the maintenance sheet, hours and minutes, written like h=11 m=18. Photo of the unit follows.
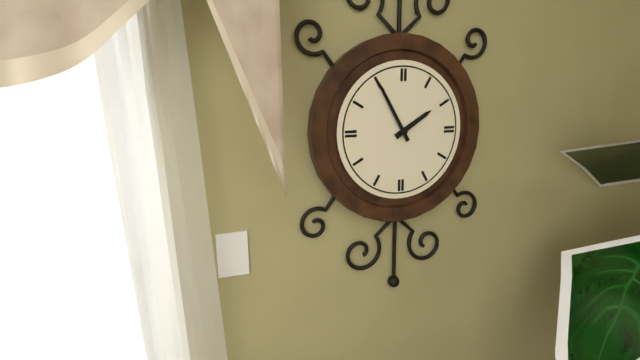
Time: h=1 m=55
